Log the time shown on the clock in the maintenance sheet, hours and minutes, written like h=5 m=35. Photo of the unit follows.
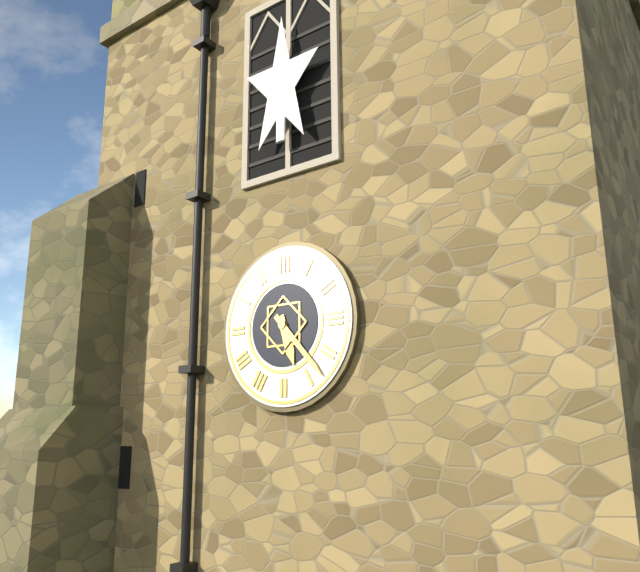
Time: h=5 m=23
